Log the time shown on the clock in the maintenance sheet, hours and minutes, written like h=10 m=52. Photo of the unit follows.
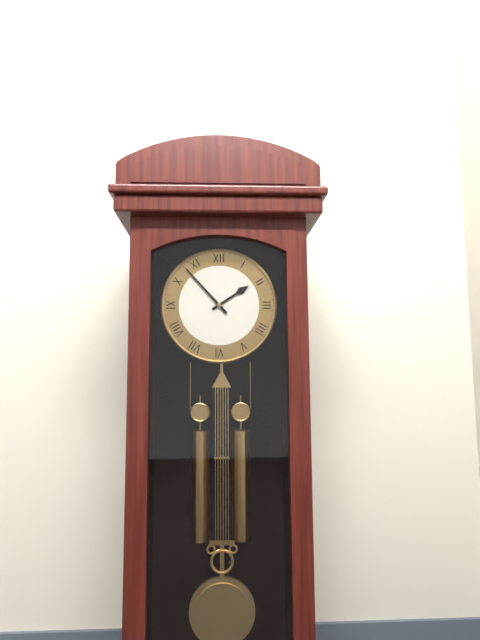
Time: h=1 m=53
